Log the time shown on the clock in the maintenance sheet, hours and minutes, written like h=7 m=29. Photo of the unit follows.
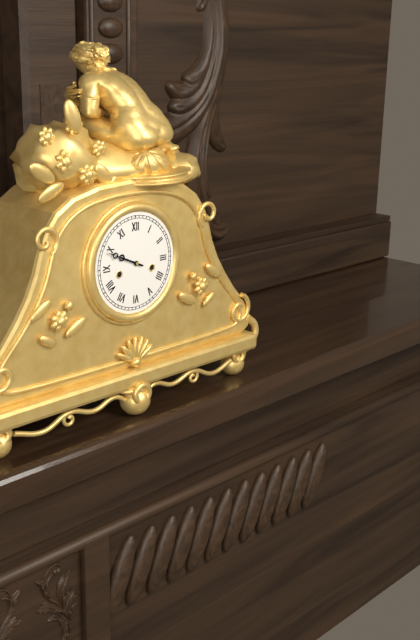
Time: h=9 m=49
